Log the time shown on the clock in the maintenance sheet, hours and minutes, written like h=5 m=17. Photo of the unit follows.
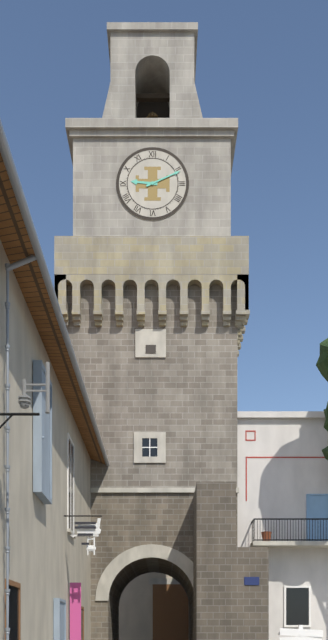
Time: h=9 m=11
